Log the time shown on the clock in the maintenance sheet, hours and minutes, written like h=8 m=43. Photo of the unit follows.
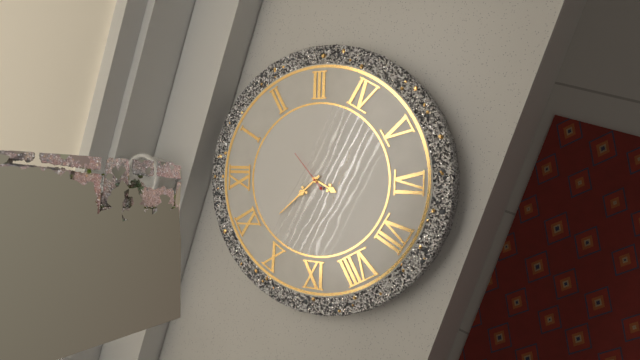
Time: h=6 m=53
